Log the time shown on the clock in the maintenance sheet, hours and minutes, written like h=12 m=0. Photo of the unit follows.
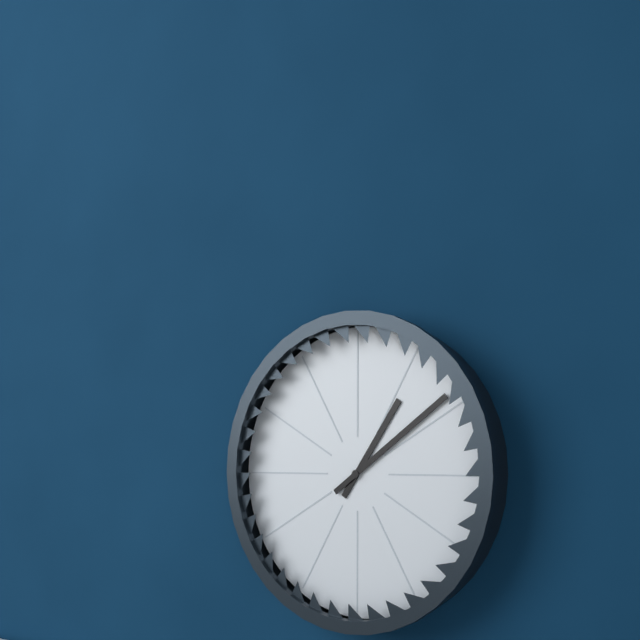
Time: h=1 m=9
